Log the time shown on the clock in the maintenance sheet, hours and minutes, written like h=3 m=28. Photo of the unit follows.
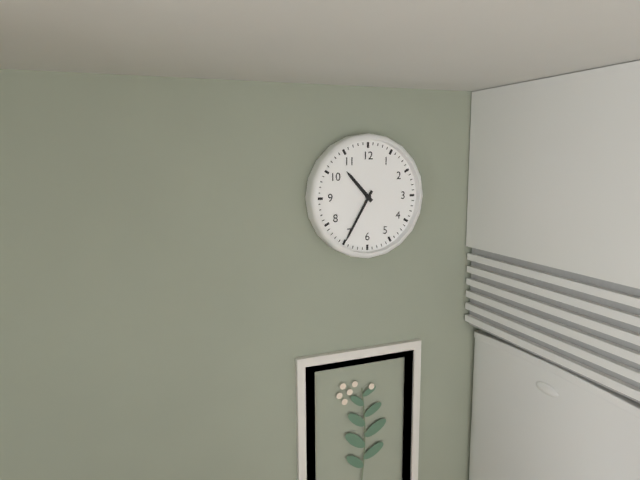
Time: h=10 m=35
